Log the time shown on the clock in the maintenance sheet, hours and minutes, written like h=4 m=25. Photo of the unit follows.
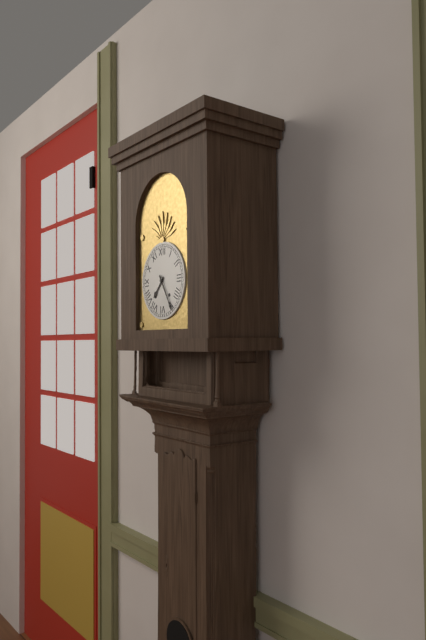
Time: h=7 m=25
